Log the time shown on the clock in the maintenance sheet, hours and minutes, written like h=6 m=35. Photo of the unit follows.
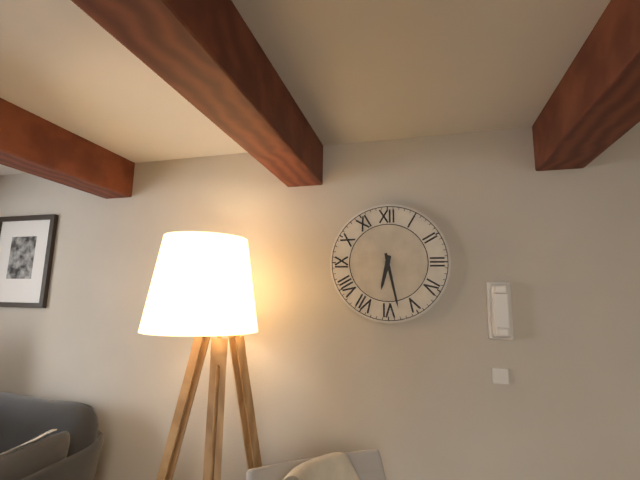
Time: h=6 m=28
